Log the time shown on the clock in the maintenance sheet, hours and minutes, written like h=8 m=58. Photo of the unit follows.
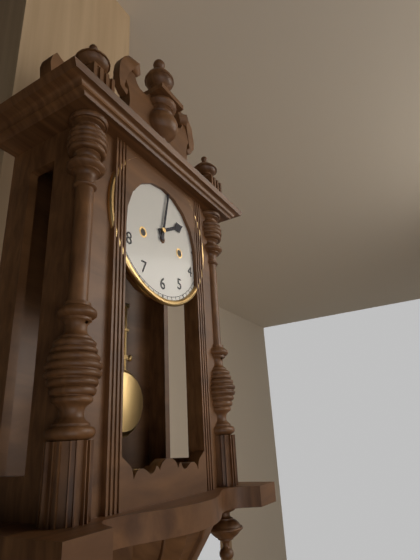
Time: h=2 m=2
